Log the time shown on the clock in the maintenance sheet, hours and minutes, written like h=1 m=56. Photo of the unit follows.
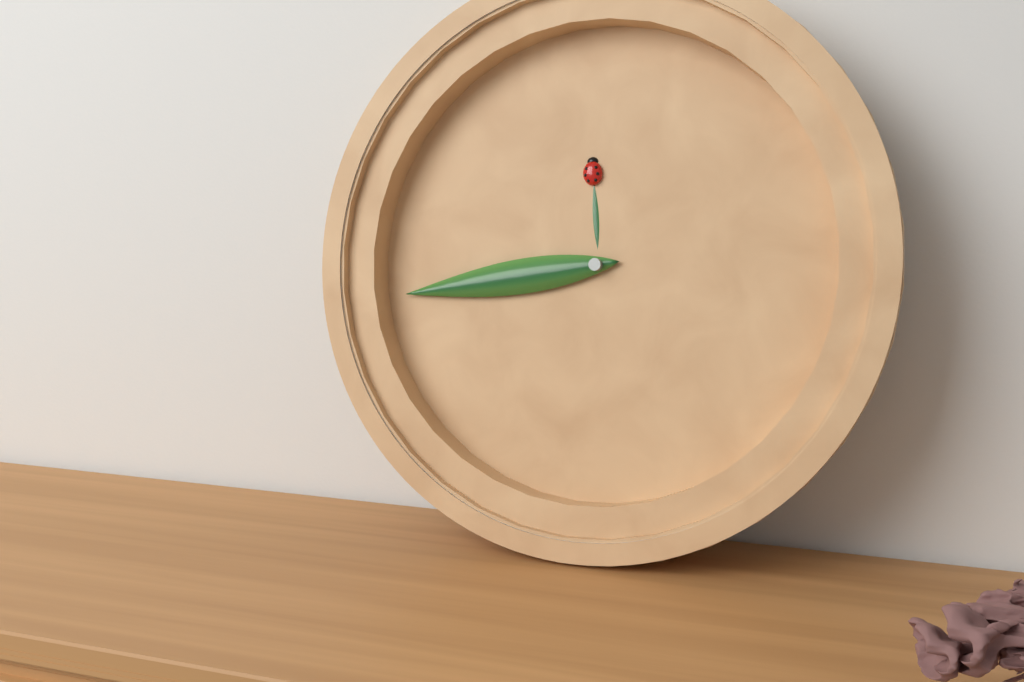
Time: h=11 m=43
